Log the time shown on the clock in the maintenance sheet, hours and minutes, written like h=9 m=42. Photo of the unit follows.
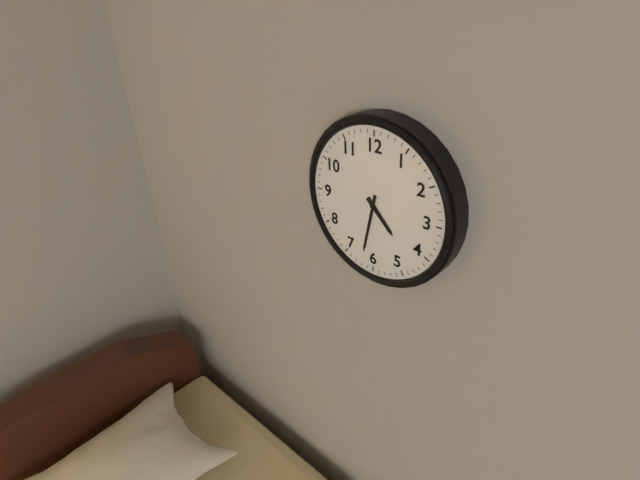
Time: h=4 m=32
